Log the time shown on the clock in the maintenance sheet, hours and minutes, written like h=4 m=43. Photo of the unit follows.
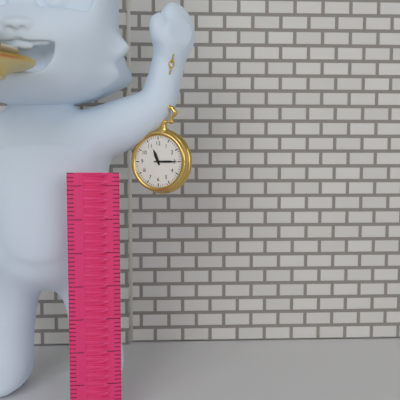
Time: h=11 m=15
